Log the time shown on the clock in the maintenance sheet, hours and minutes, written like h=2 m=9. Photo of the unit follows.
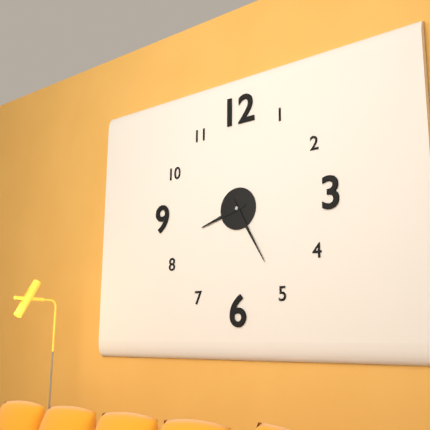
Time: h=8 m=25
